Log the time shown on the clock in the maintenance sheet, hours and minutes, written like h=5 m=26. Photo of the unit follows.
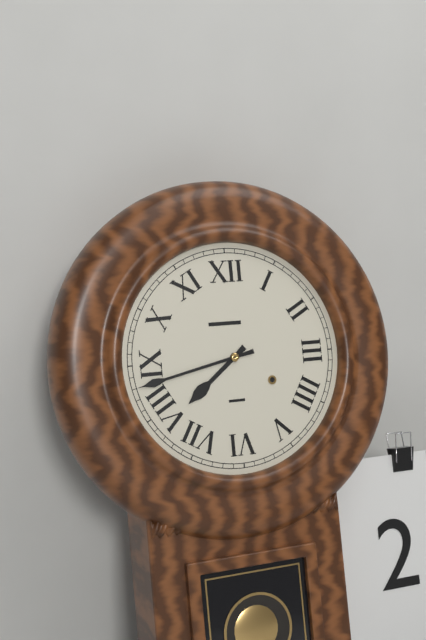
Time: h=7 m=43
